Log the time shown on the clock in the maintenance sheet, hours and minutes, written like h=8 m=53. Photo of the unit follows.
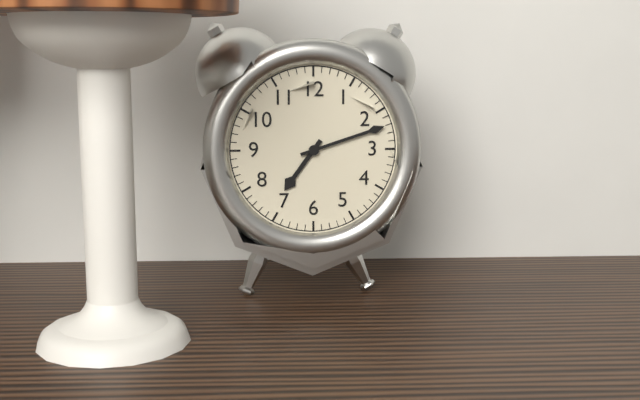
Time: h=7 m=12
